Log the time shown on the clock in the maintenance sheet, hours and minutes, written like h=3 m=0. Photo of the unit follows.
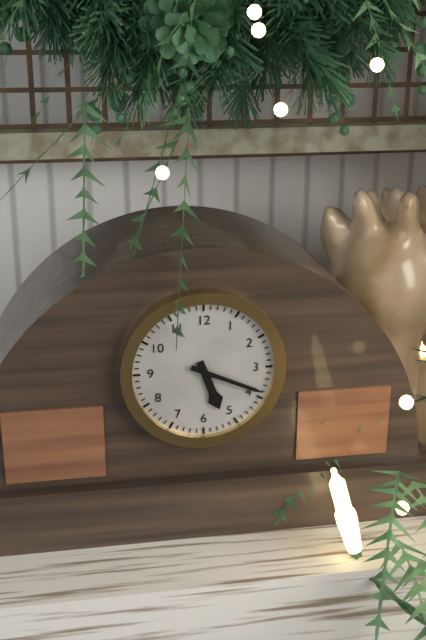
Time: h=5 m=19
